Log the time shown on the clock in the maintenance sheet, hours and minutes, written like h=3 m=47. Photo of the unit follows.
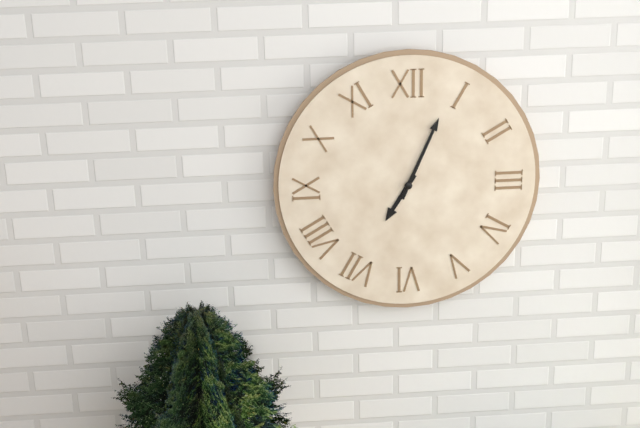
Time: h=7 m=4
